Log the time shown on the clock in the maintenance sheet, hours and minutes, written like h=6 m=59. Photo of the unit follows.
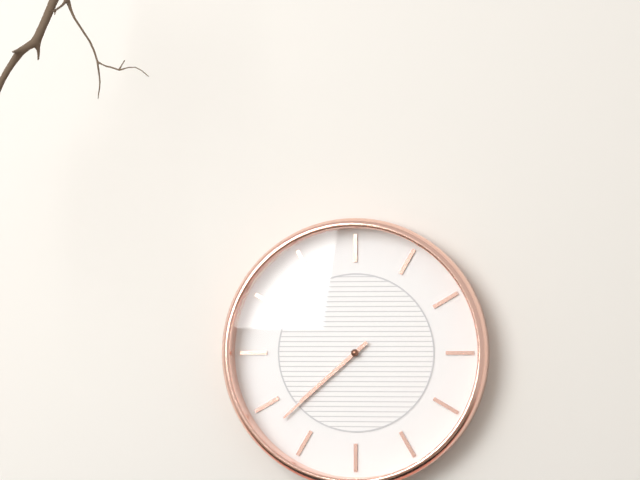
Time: h=7 m=38
